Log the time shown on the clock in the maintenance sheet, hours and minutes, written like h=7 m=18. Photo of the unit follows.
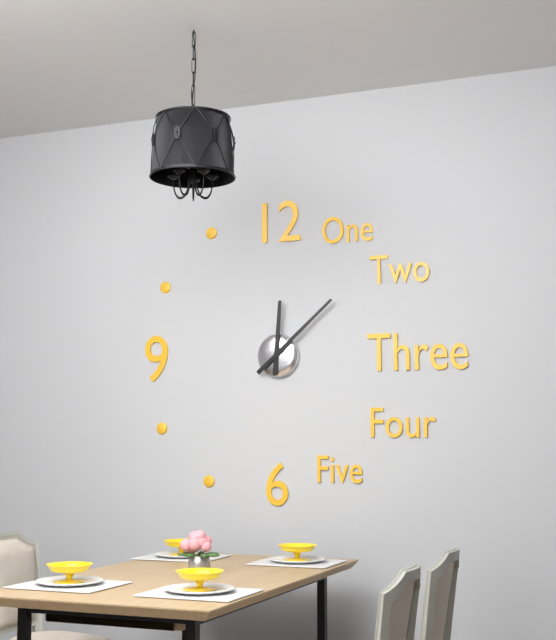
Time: h=12 m=8
